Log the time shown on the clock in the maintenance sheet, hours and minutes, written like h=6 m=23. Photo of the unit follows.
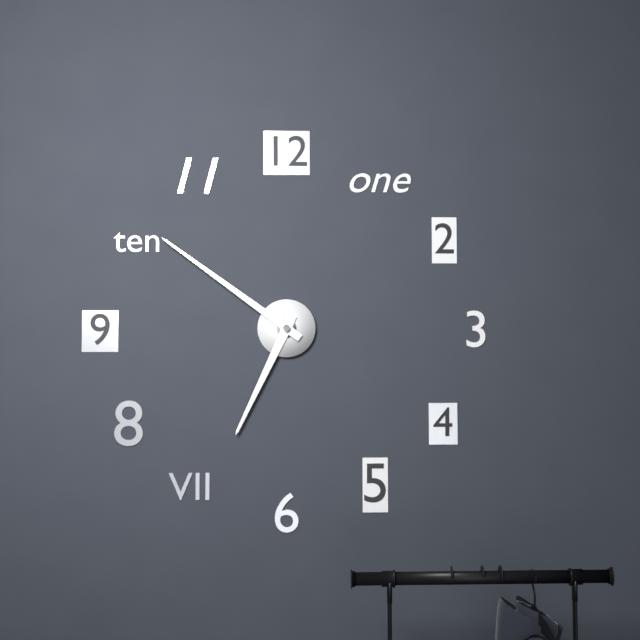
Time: h=6 m=51
